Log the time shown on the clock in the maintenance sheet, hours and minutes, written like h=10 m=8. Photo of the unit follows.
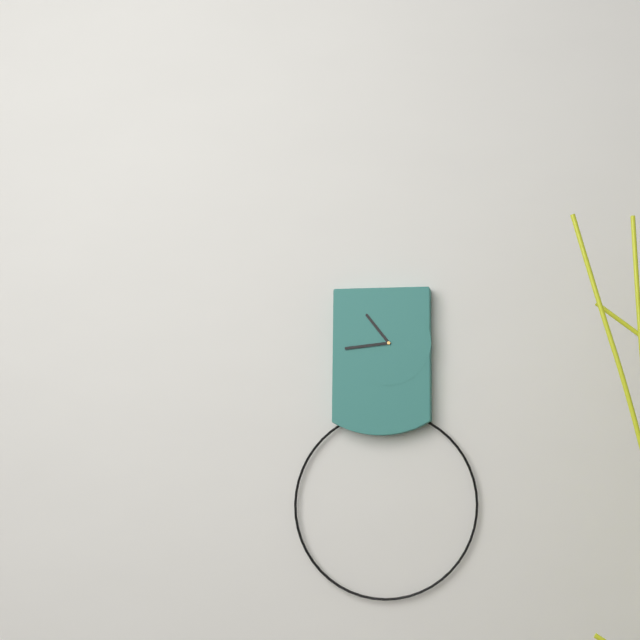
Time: h=10 m=44
